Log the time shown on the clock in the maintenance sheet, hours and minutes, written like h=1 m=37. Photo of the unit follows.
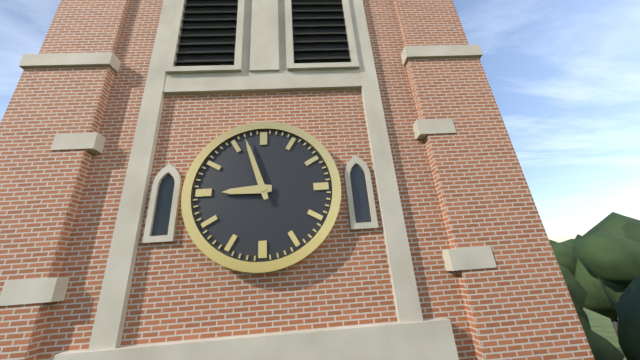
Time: h=8 m=57
